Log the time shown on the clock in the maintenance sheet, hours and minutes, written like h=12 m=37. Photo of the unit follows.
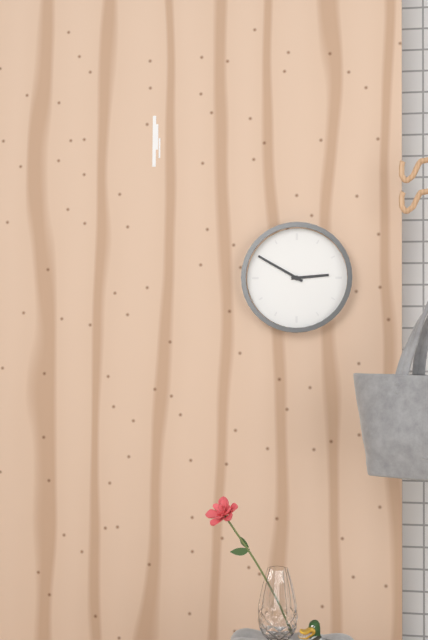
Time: h=2 m=50
